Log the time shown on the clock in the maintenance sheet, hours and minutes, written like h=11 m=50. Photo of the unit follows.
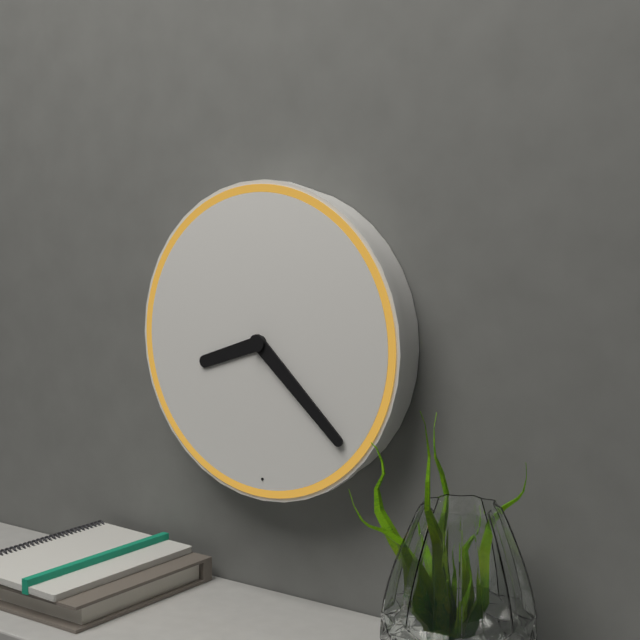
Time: h=8 m=22
